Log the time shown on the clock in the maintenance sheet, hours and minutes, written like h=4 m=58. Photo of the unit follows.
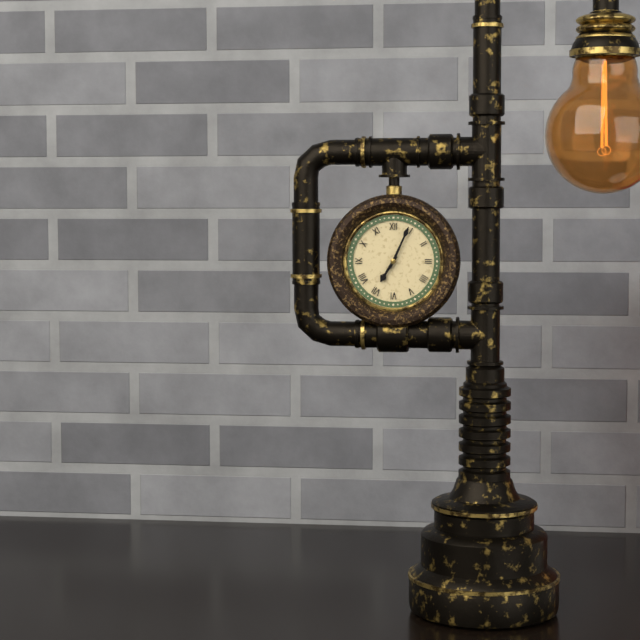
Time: h=7 m=4
